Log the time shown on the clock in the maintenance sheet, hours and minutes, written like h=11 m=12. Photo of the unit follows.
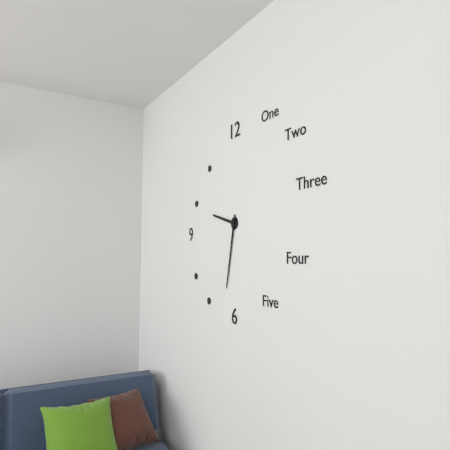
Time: h=9 m=32
